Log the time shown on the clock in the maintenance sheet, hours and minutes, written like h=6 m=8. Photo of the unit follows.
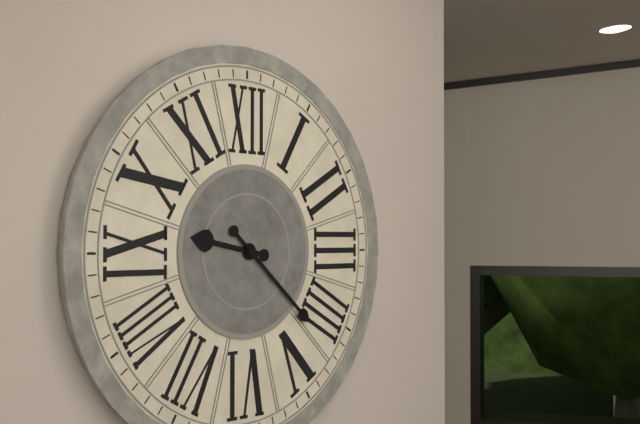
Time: h=9 m=22
